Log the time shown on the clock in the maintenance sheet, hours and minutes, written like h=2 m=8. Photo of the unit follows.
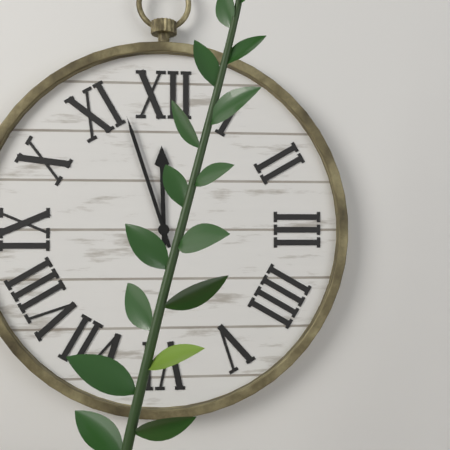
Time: h=11 m=57
